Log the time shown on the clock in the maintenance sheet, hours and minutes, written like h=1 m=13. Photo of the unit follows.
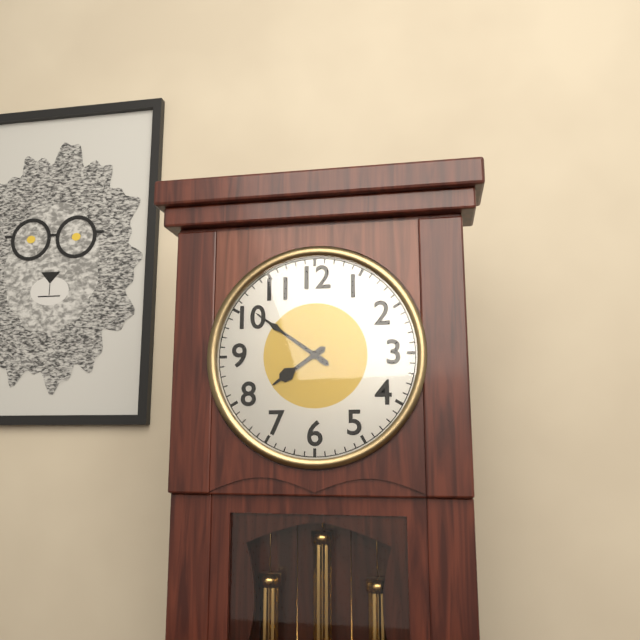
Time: h=7 m=51
